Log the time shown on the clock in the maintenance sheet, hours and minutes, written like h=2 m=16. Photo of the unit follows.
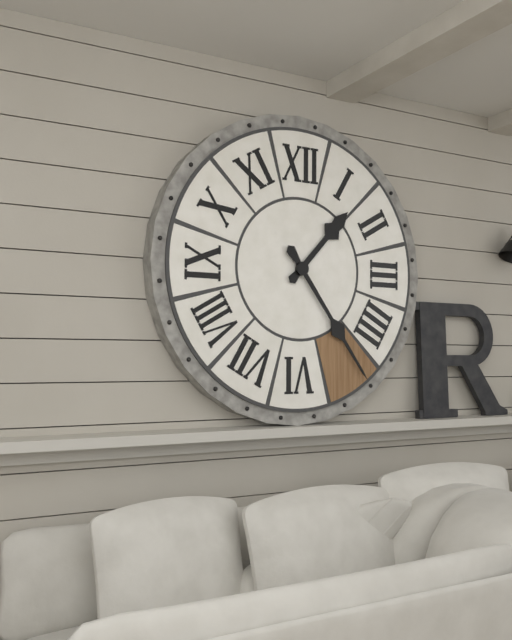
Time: h=1 m=24
